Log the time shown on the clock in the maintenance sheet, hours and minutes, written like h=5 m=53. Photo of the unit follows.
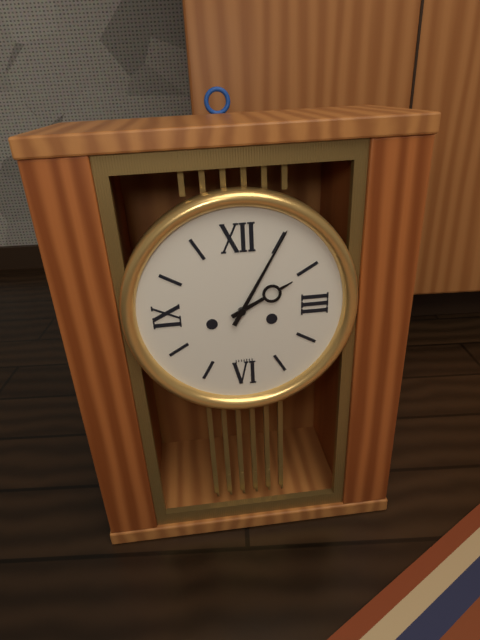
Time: h=2 m=5
